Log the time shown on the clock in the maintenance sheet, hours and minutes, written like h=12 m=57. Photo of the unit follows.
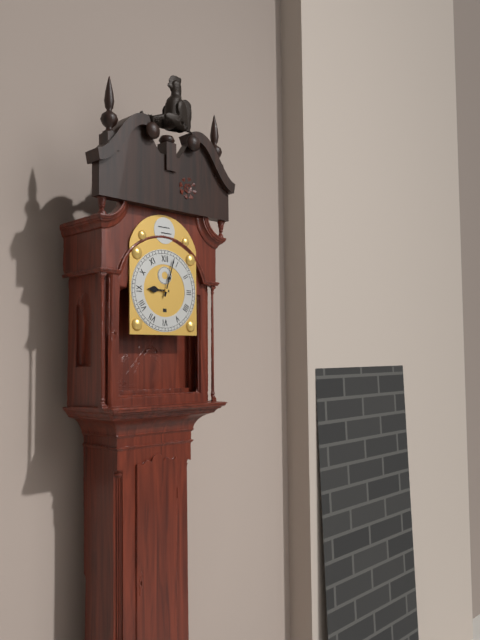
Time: h=9 m=3
